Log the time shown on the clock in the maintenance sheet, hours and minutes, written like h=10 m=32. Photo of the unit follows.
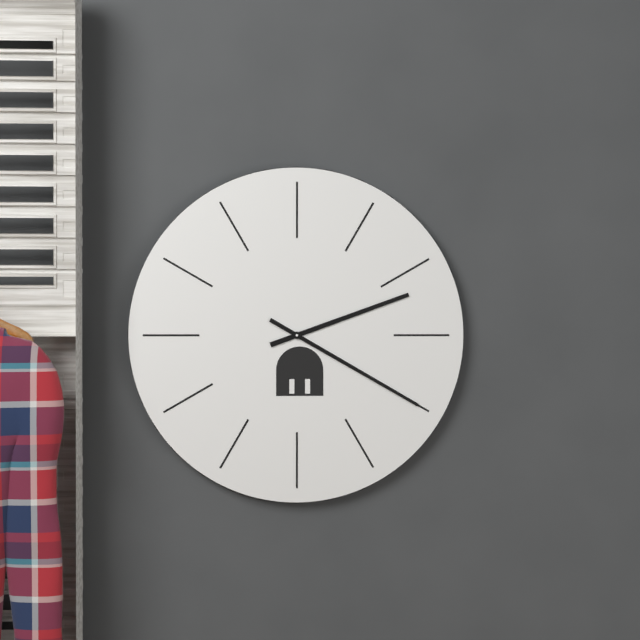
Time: h=2 m=20
